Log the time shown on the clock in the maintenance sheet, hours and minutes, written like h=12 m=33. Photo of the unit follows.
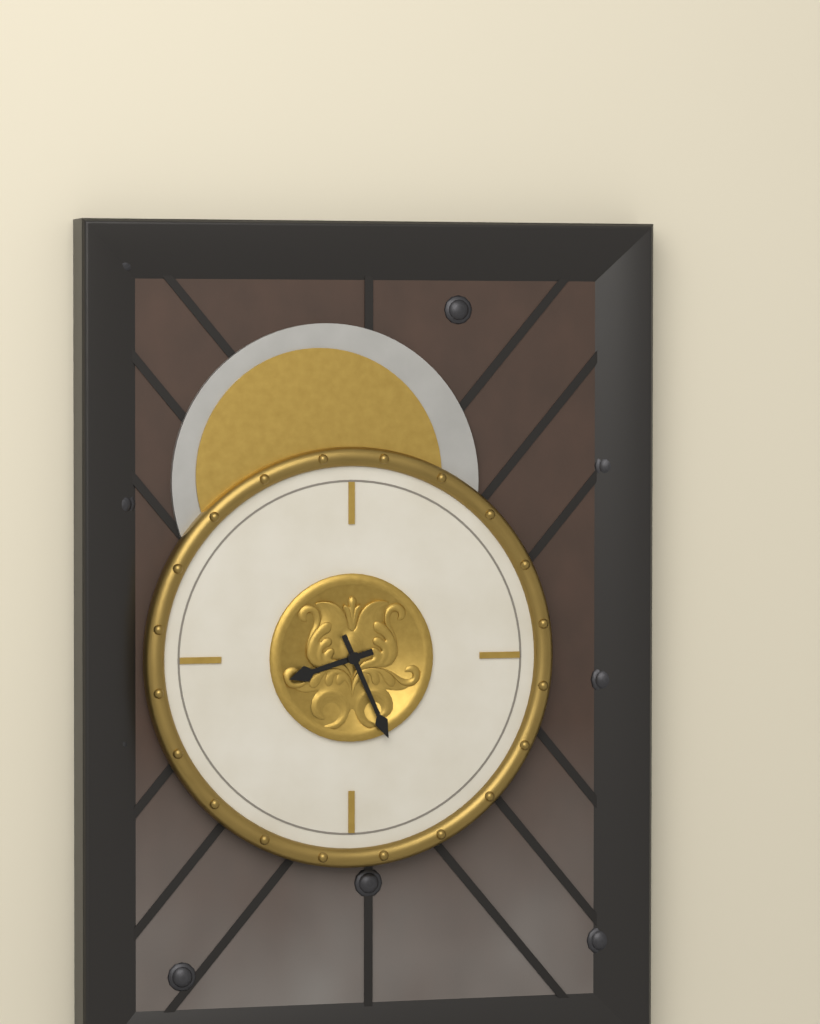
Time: h=8 m=26
